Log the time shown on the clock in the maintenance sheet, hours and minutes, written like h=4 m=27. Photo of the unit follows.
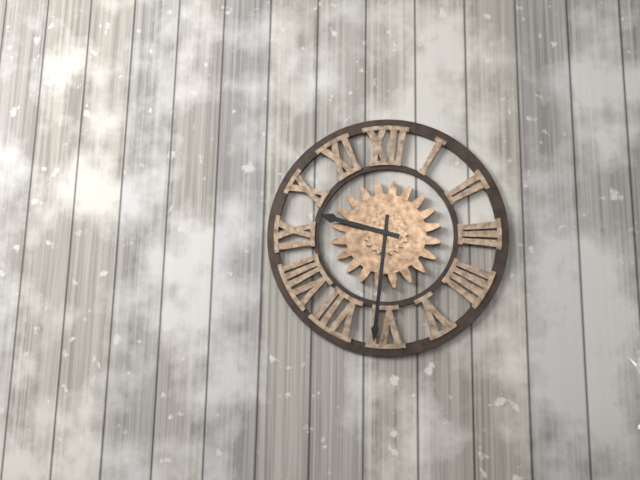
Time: h=9 m=31
